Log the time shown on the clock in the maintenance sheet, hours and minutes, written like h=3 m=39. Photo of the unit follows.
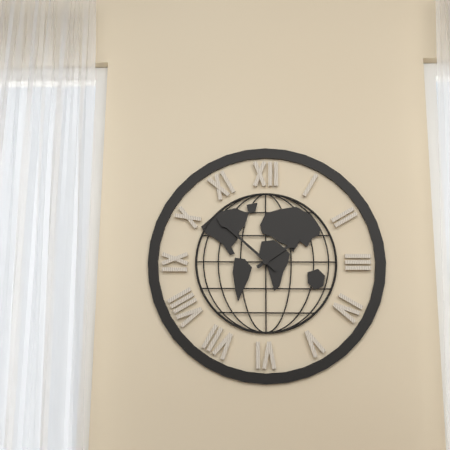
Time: h=1 m=52
